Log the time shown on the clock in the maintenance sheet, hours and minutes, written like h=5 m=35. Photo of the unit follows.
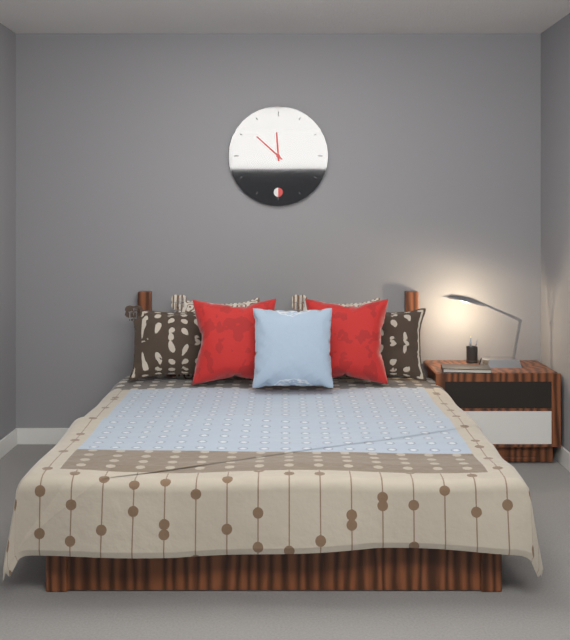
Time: h=11 m=52
